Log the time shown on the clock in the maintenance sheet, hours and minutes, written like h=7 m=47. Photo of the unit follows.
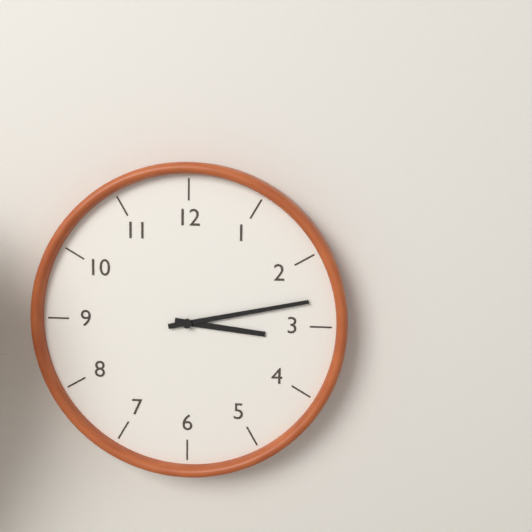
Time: h=3 m=13
